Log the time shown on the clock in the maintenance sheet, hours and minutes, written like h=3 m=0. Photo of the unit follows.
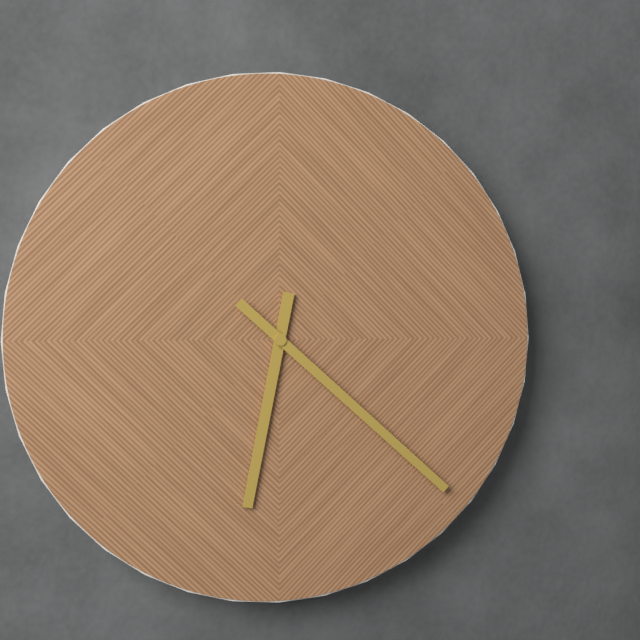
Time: h=6 m=22
